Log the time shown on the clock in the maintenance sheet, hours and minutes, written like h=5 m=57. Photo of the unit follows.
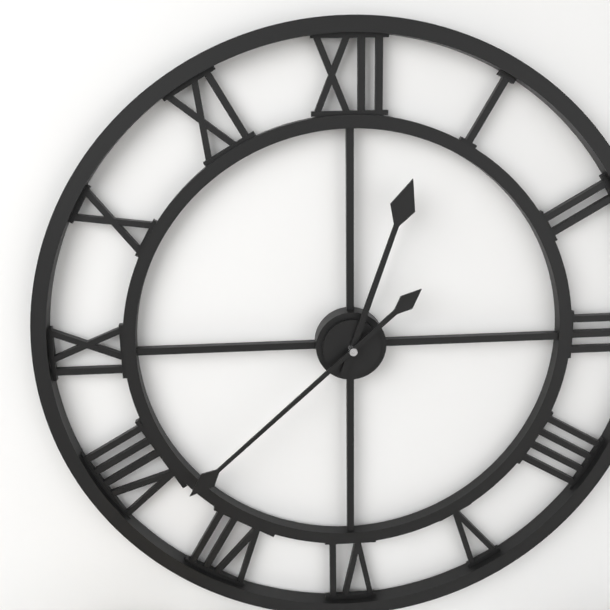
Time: h=12 m=38
